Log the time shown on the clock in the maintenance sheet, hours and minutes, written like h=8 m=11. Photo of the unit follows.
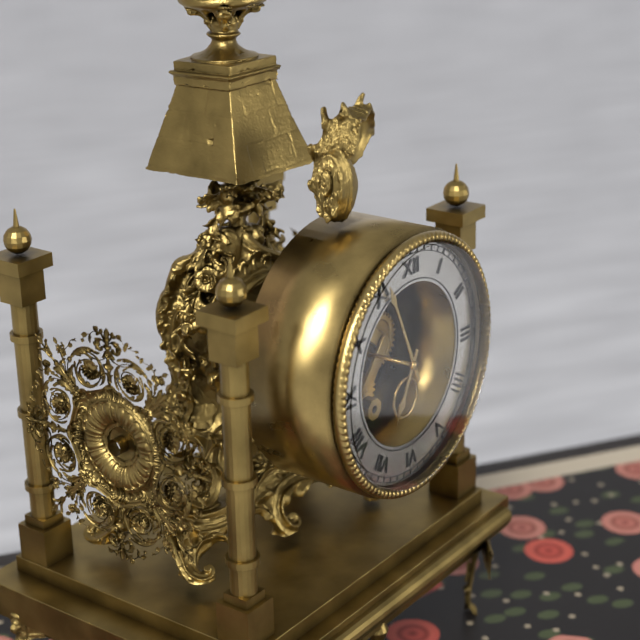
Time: h=6 m=56
